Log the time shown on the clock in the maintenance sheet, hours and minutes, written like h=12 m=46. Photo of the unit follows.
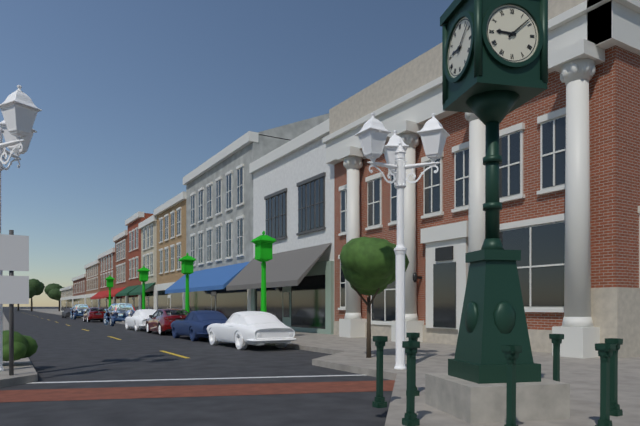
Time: h=9 m=8
